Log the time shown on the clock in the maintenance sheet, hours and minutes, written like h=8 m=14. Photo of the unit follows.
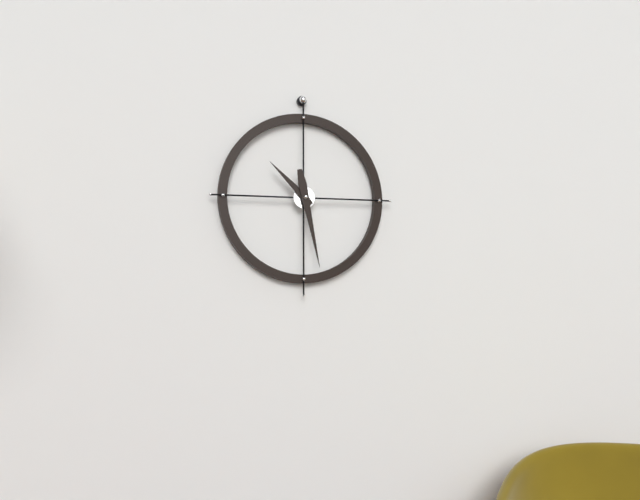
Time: h=10 m=28
